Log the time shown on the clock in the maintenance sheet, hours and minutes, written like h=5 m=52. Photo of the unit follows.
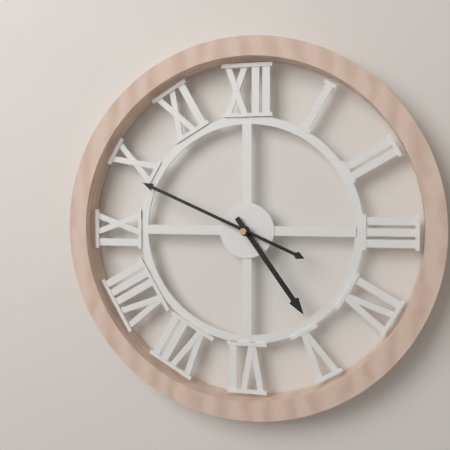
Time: h=4 m=49
